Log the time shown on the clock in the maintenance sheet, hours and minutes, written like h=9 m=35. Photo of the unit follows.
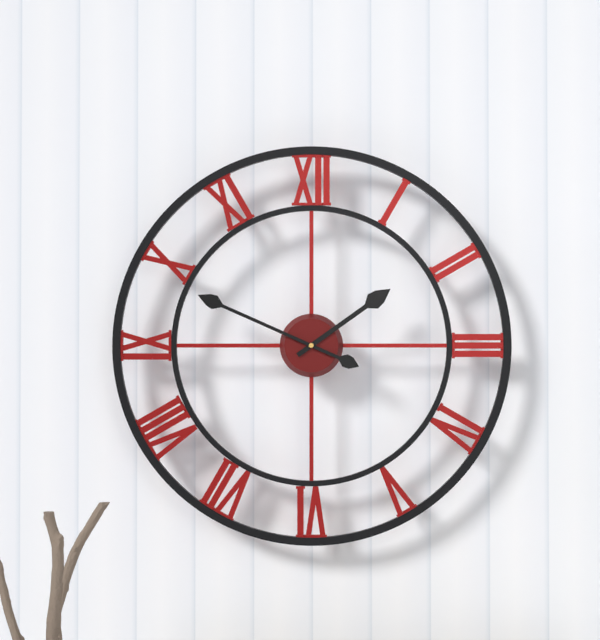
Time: h=1 m=49
